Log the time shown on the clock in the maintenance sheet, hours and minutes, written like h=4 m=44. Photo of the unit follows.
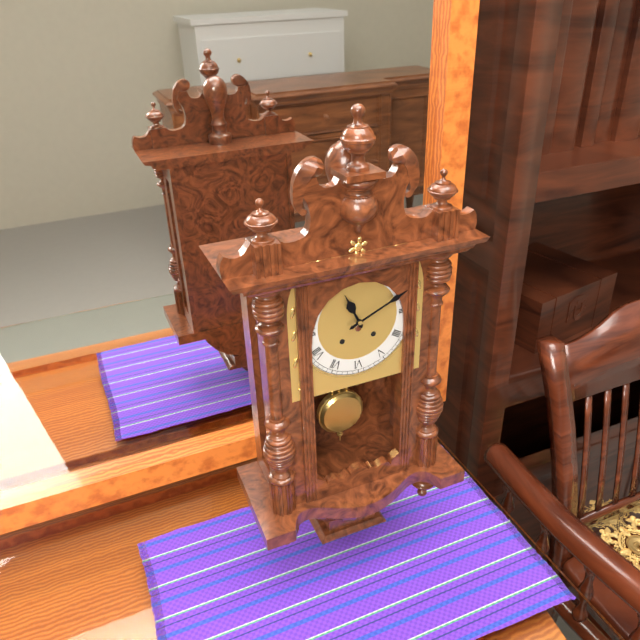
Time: h=11 m=11
